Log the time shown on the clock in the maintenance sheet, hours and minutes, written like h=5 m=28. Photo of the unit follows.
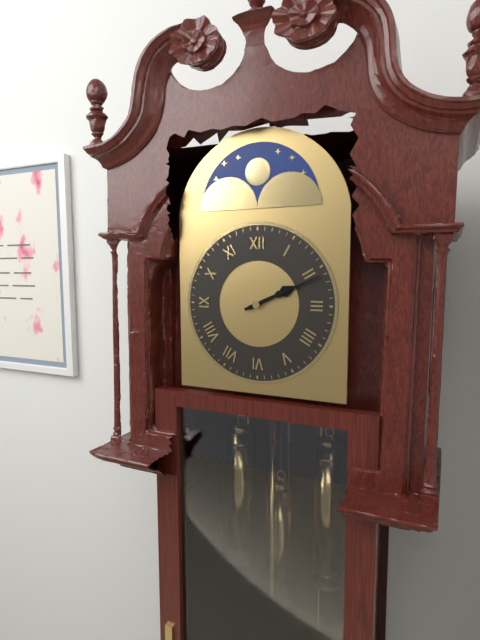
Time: h=2 m=11
